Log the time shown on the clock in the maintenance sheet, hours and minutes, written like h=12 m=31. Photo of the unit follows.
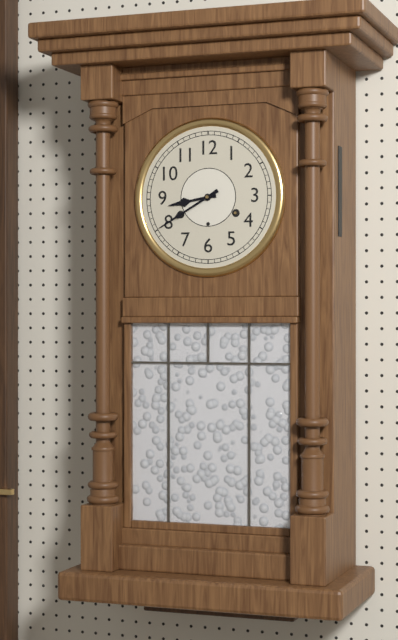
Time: h=8 m=40
